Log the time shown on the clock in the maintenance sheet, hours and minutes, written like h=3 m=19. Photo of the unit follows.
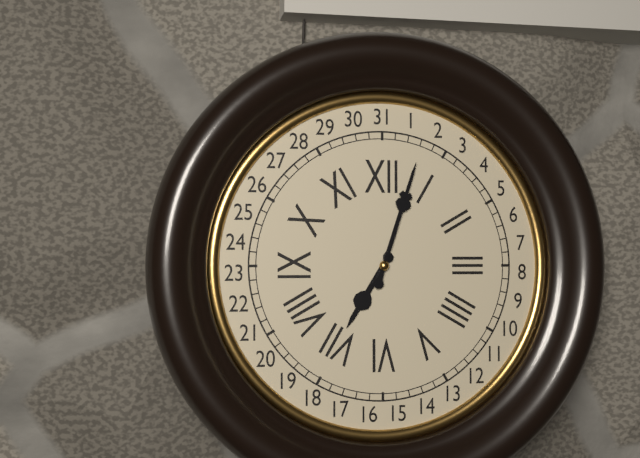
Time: h=7 m=3
